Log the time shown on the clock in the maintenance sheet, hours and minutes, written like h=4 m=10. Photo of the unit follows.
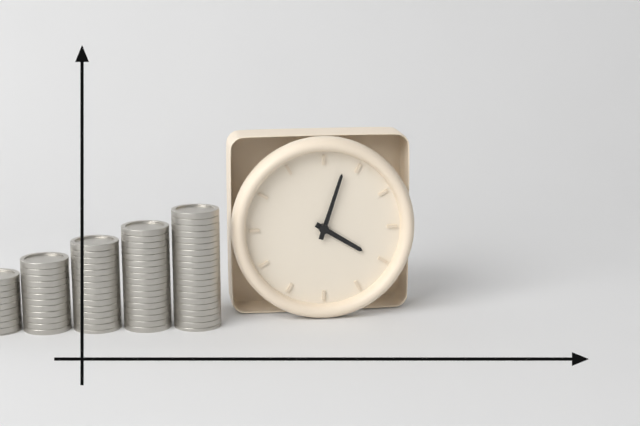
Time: h=4 m=3
